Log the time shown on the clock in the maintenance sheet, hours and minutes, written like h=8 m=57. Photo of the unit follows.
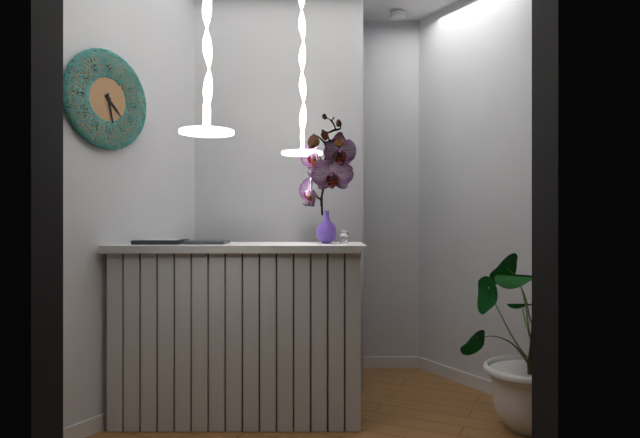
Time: h=4 m=28
